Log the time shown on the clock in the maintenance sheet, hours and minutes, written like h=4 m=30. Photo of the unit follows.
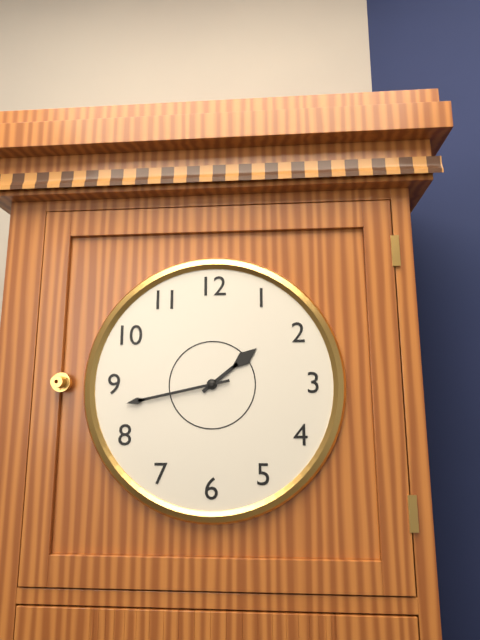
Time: h=1 m=43
